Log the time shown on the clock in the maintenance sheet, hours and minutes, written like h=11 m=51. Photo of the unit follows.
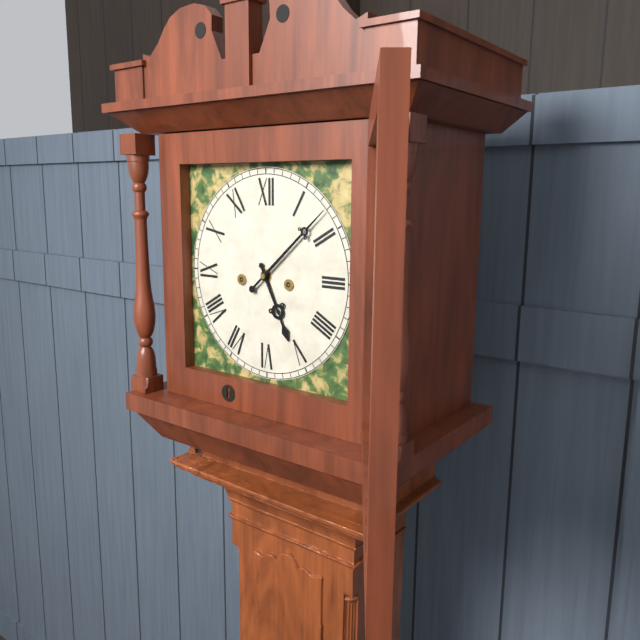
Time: h=5 m=8
